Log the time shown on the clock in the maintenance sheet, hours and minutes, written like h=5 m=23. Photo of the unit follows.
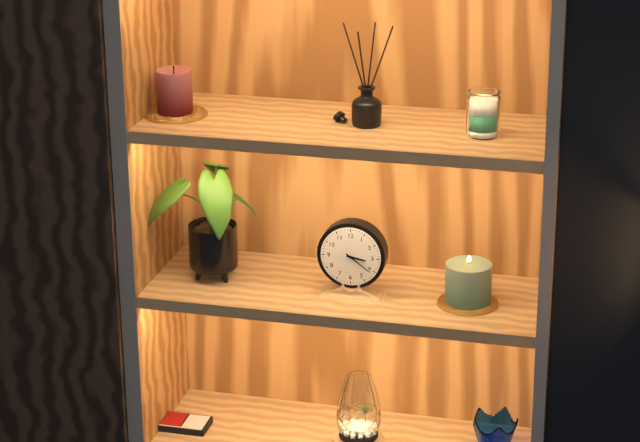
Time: h=3 m=21
